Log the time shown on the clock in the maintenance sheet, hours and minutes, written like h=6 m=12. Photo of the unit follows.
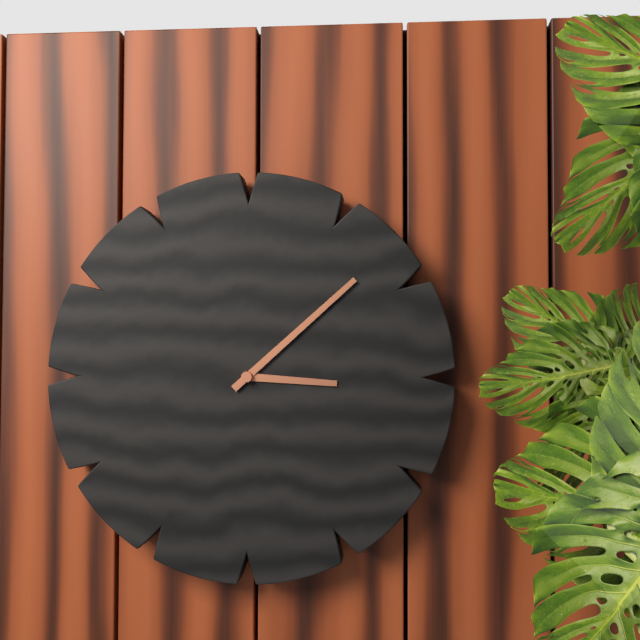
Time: h=3 m=8
